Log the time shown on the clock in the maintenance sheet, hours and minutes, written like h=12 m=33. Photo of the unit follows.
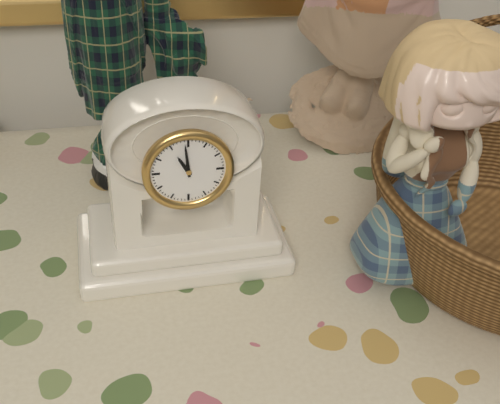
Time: h=10 m=59
